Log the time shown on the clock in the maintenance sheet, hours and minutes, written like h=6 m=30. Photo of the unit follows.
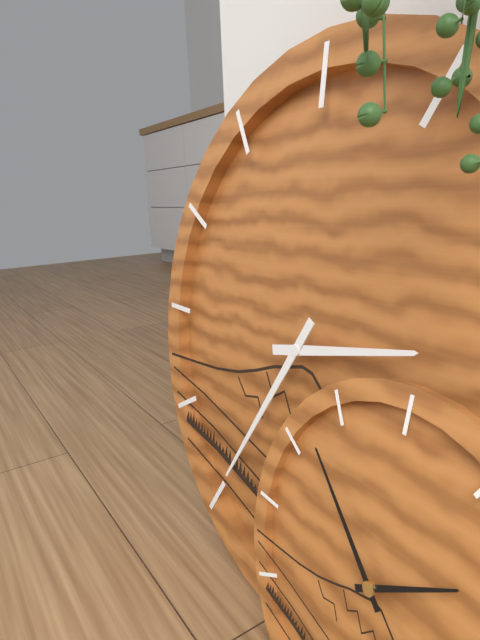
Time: h=2 m=35
